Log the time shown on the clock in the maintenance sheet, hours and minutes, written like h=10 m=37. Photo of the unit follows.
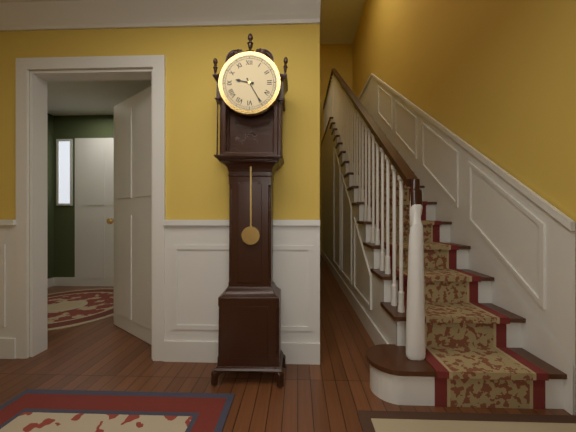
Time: h=9 m=25
